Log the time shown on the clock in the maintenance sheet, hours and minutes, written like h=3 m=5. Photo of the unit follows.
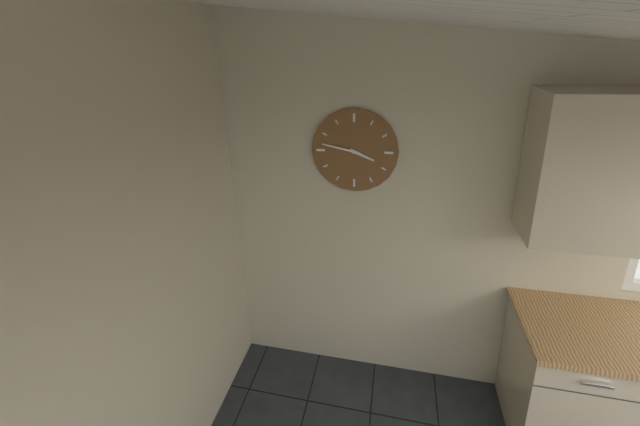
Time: h=3 m=47
